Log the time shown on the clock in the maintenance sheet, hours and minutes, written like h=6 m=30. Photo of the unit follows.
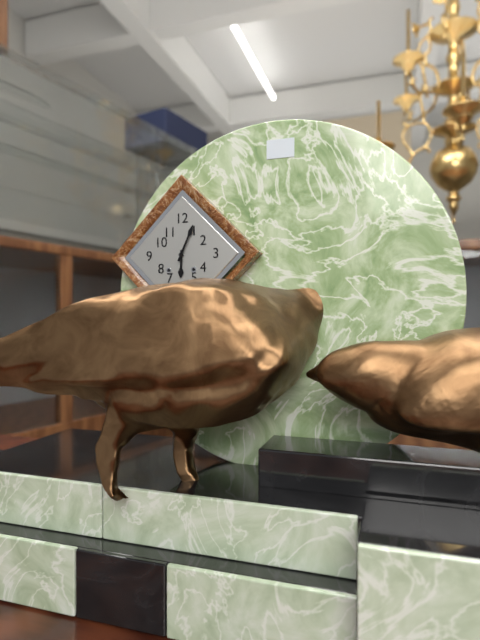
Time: h=6 m=4
